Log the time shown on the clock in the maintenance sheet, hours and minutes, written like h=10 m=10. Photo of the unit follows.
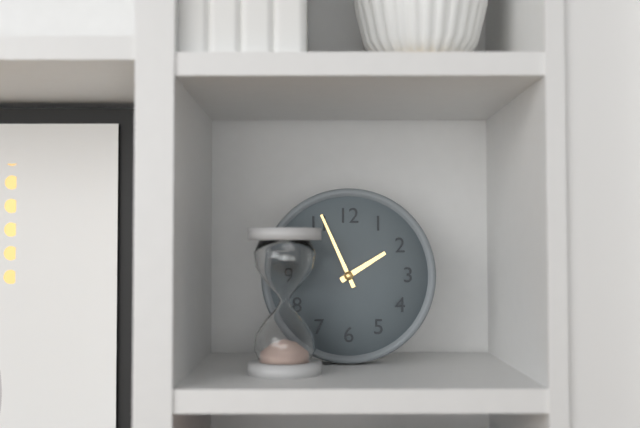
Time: h=1 m=56
